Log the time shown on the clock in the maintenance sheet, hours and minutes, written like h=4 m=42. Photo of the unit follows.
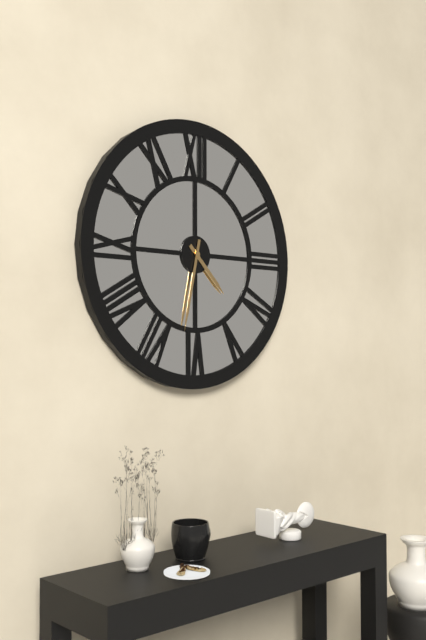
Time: h=4 m=32
